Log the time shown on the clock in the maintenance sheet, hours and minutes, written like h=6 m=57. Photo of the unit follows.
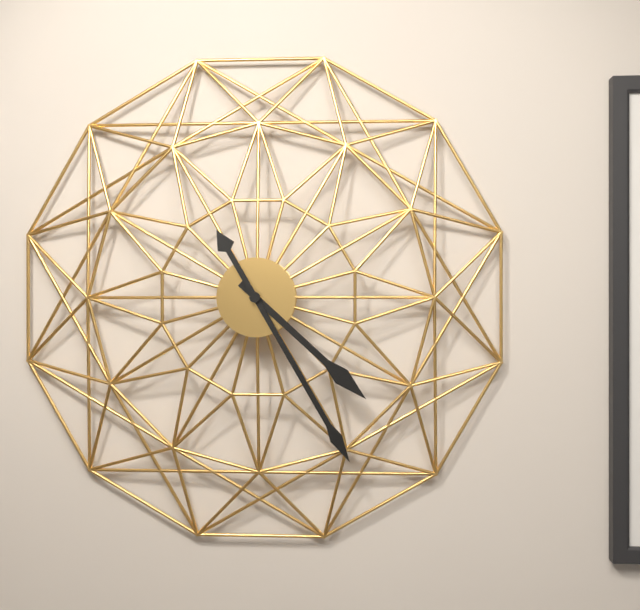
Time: h=4 m=25
